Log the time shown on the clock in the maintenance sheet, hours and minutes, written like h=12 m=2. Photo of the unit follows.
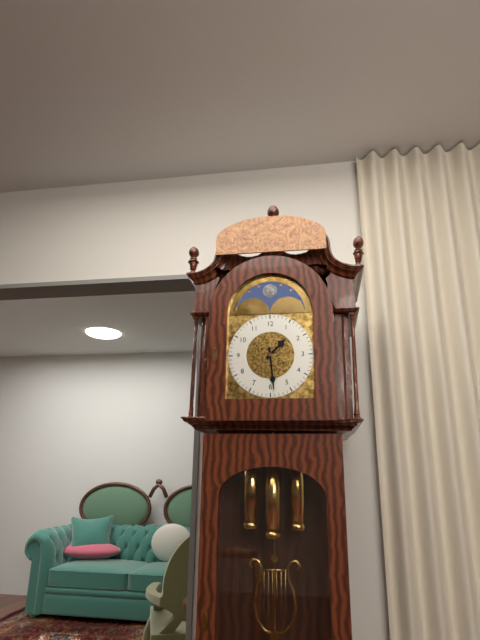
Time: h=1 m=29
